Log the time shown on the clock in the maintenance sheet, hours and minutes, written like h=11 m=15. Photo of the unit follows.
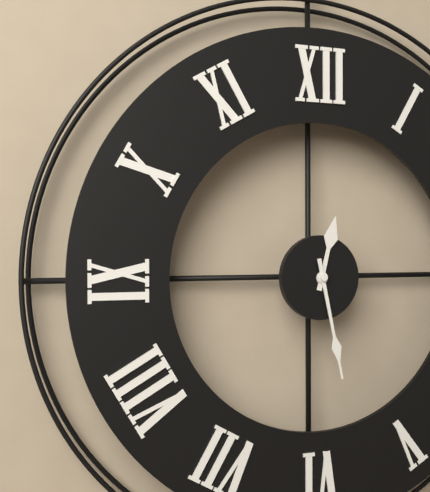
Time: h=12 m=28
